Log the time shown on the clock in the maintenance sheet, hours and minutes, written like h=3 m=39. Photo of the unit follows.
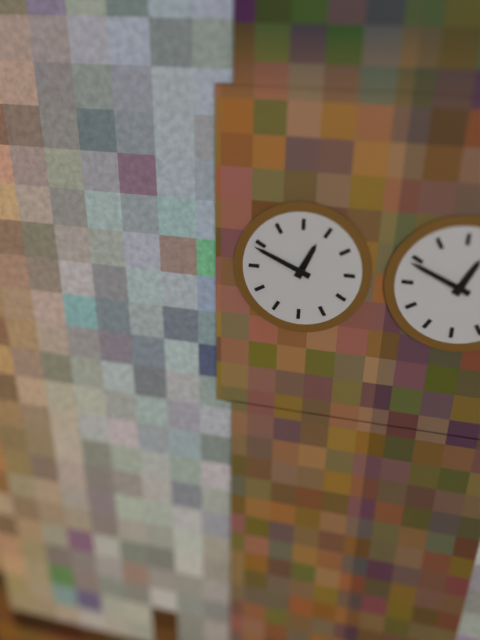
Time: h=12 m=49
